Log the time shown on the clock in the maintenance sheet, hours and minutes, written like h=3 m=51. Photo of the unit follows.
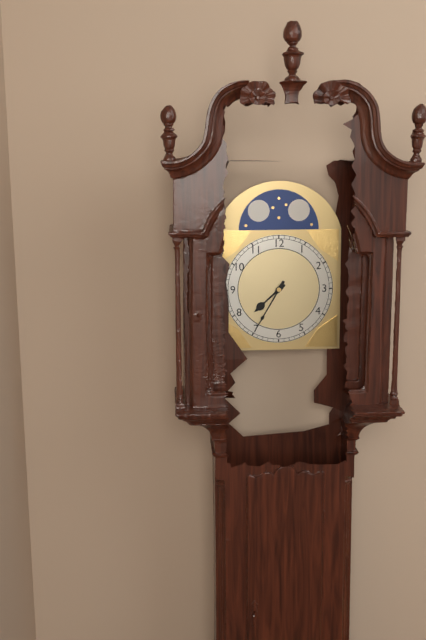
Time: h=7 m=35
